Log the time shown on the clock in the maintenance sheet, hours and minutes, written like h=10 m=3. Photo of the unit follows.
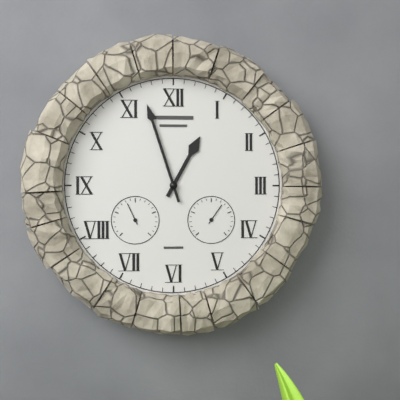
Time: h=12 m=57
